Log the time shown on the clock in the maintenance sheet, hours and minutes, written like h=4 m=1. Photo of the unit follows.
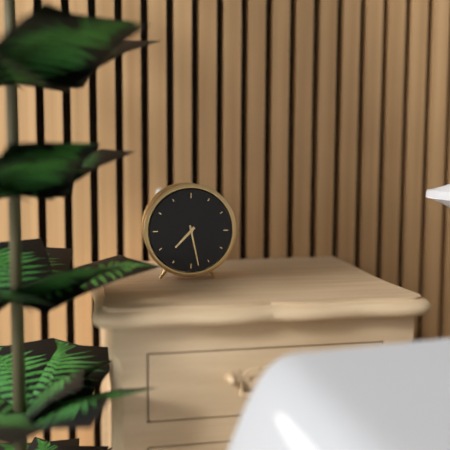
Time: h=7 m=28
